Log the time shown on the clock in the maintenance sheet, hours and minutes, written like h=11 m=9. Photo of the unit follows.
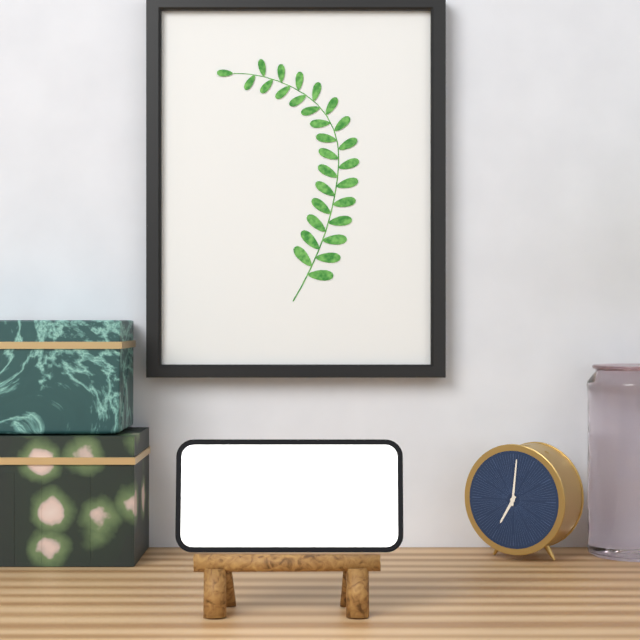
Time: h=7 m=1
